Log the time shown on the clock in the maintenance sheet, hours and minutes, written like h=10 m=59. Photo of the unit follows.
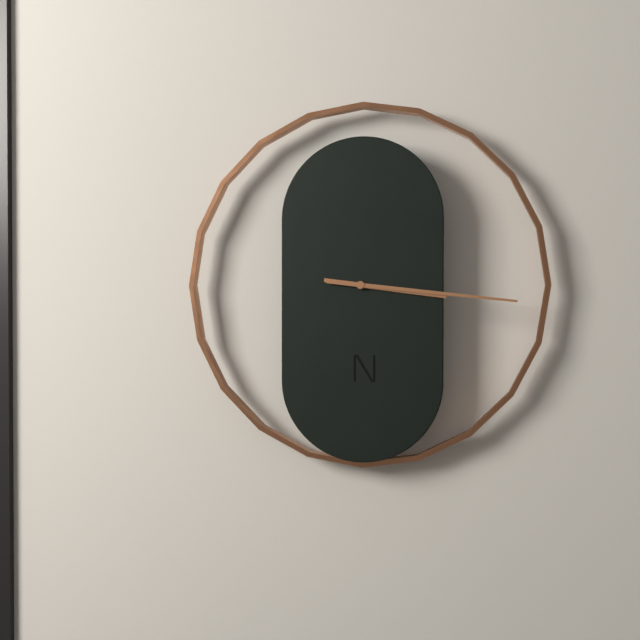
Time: h=3 m=16
